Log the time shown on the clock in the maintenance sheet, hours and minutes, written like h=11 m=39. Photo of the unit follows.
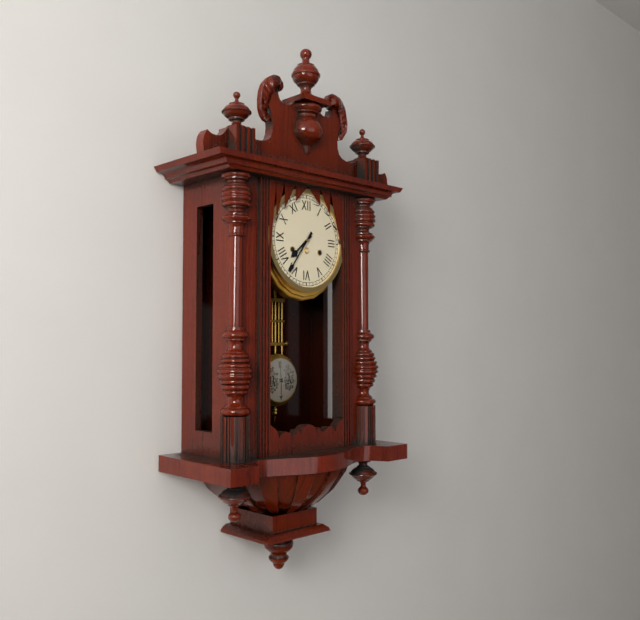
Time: h=7 m=36
